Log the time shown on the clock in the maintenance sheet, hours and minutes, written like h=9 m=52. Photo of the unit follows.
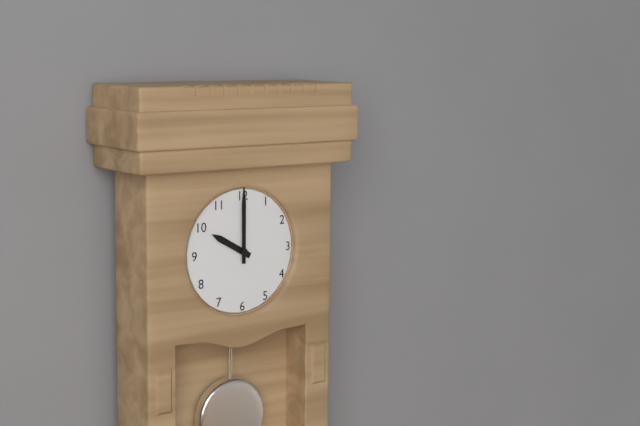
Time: h=10 m=0
